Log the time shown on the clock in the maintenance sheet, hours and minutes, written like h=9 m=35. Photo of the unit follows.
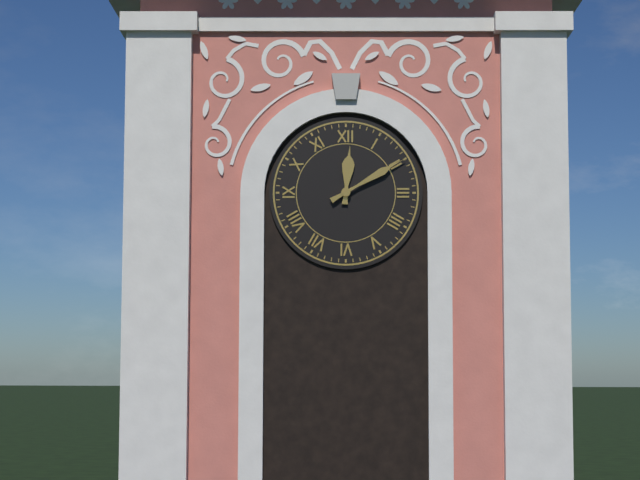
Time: h=12 m=10
